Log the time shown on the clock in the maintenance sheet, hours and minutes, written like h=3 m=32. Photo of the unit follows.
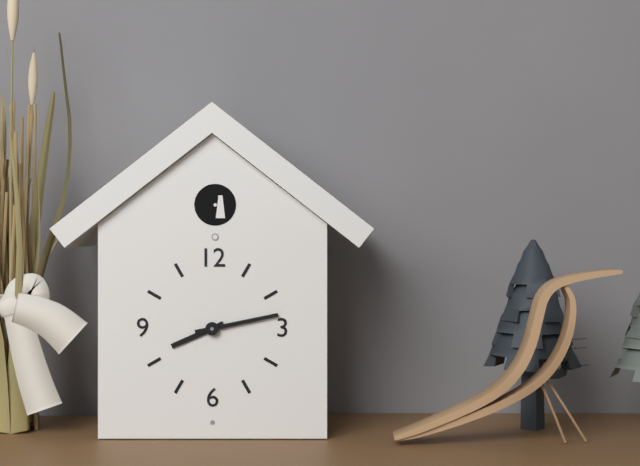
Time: h=8 m=13
